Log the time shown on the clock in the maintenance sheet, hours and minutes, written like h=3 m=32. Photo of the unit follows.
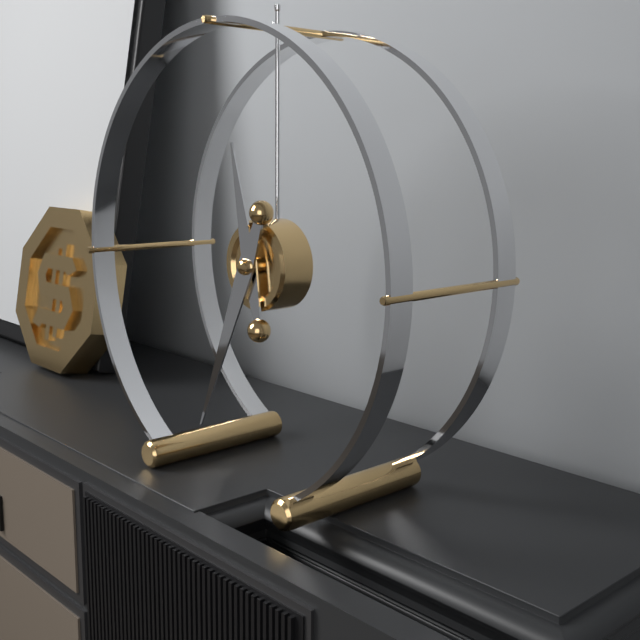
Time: h=11 m=34
